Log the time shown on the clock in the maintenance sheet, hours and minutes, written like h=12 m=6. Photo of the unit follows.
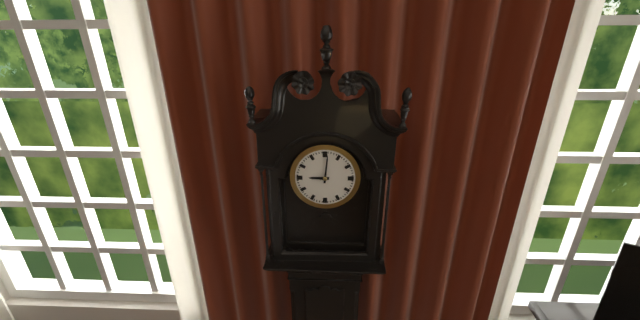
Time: h=9 m=1
